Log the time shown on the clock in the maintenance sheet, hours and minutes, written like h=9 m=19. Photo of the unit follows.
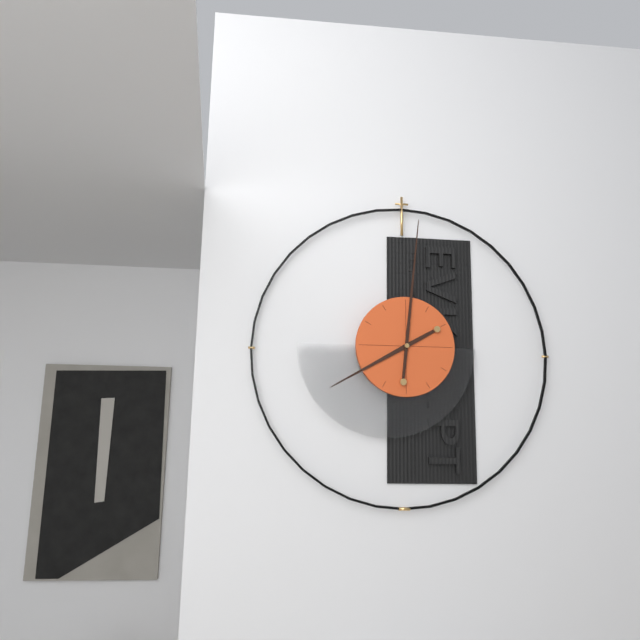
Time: h=8 m=1
